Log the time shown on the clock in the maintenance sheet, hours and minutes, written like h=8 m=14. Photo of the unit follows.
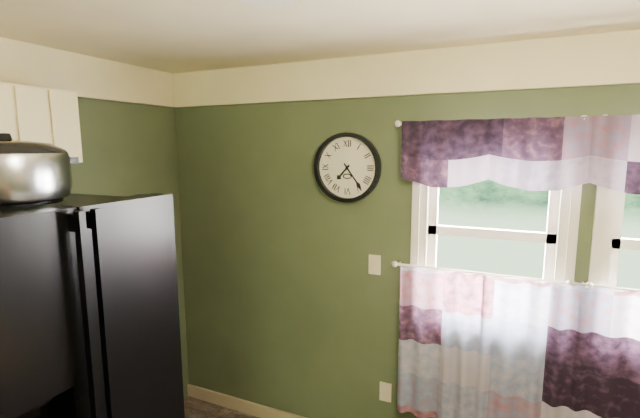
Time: h=7 m=24
